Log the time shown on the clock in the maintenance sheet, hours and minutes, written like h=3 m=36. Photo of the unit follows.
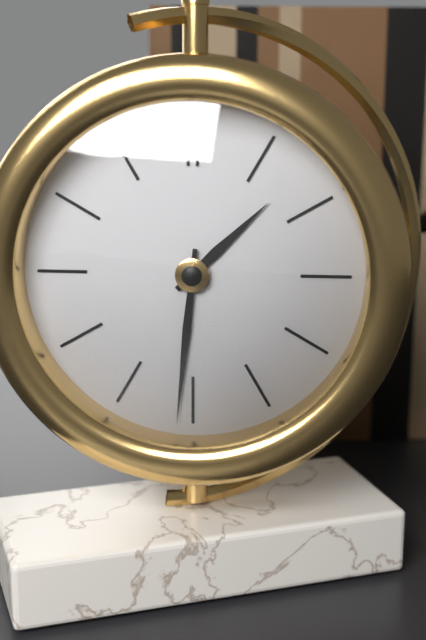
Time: h=1 m=31
